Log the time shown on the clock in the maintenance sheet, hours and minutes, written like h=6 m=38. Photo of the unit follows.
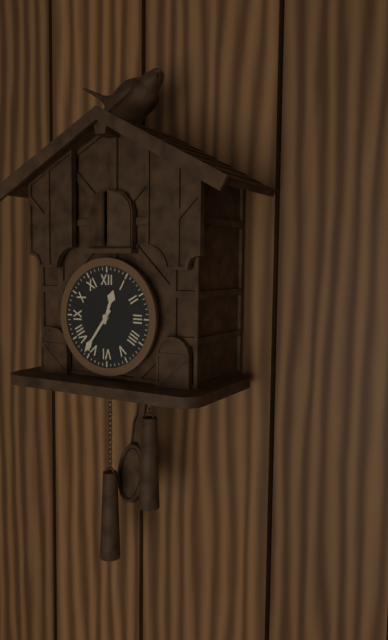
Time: h=12 m=36
